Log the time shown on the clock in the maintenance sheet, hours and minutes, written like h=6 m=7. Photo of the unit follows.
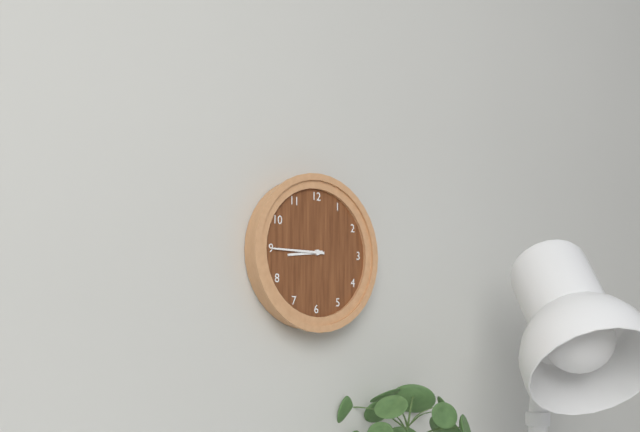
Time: h=8 m=45
